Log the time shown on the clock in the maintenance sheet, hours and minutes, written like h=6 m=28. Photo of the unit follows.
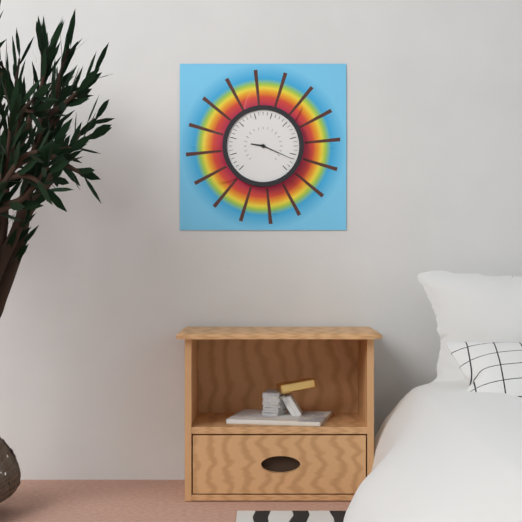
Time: h=9 m=19
